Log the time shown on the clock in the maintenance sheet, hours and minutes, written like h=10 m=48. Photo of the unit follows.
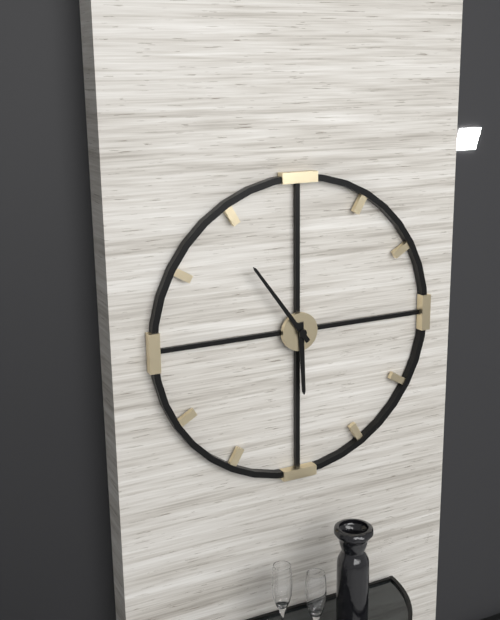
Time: h=5 m=54
